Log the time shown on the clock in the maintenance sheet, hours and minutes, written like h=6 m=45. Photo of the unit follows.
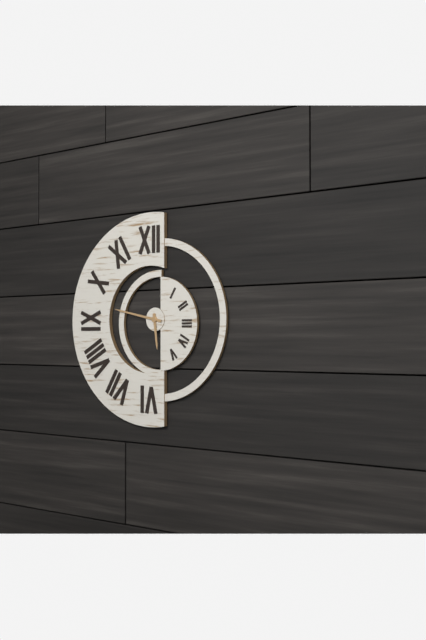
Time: h=5 m=47
